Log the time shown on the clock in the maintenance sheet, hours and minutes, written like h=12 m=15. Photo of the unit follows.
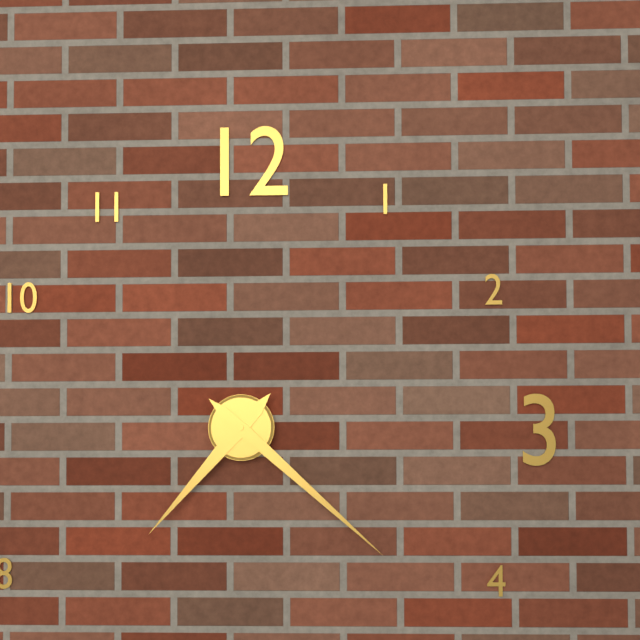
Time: h=7 m=22
